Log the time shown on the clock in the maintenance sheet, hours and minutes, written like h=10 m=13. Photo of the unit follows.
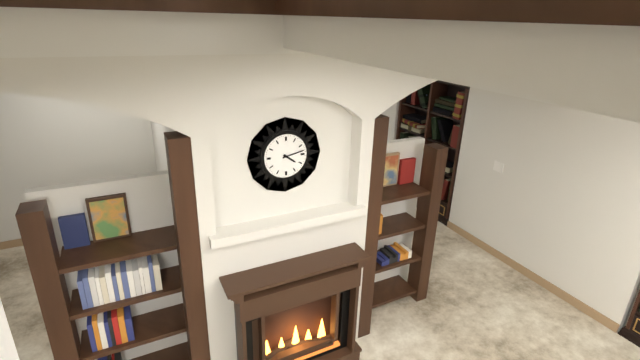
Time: h=4 m=13
